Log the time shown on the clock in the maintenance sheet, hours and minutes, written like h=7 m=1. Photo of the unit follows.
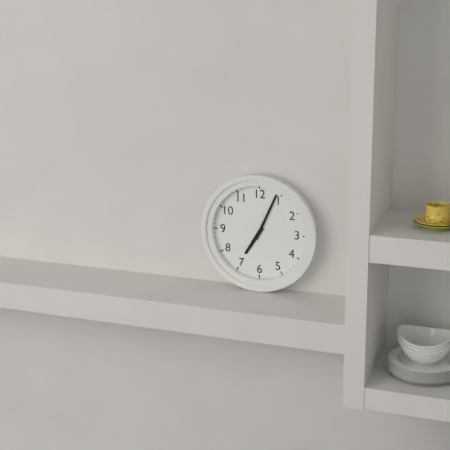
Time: h=7 m=4
